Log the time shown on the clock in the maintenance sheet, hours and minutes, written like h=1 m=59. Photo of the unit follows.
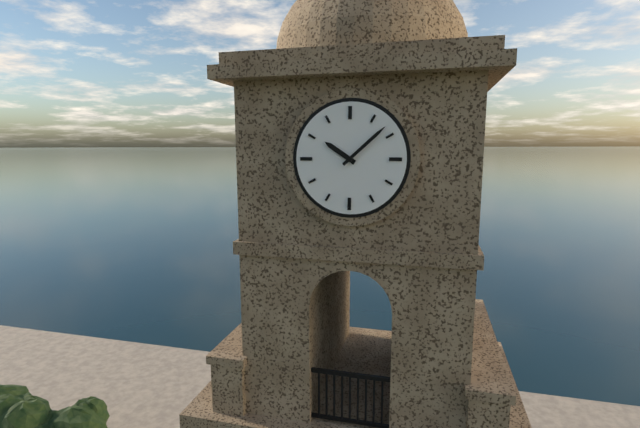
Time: h=10 m=8
